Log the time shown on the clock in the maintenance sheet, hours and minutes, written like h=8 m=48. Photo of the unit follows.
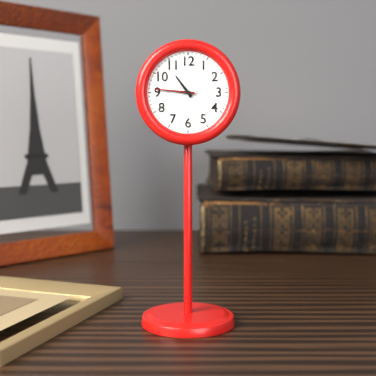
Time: h=10 m=46
